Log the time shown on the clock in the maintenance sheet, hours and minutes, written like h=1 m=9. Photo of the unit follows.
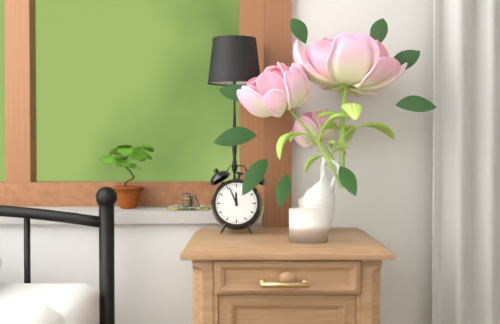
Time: h=11 m=56
